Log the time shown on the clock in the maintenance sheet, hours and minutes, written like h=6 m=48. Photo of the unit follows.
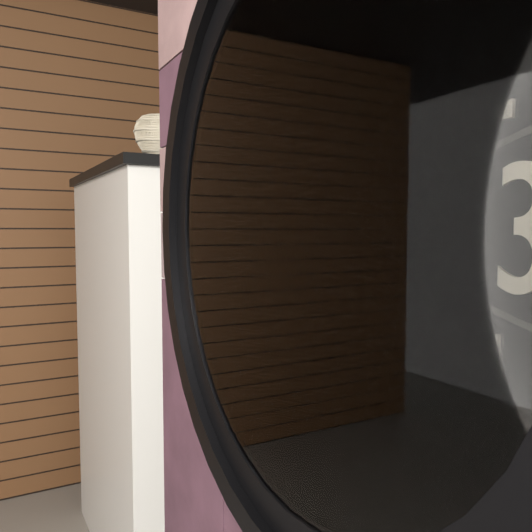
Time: h=10 m=10
